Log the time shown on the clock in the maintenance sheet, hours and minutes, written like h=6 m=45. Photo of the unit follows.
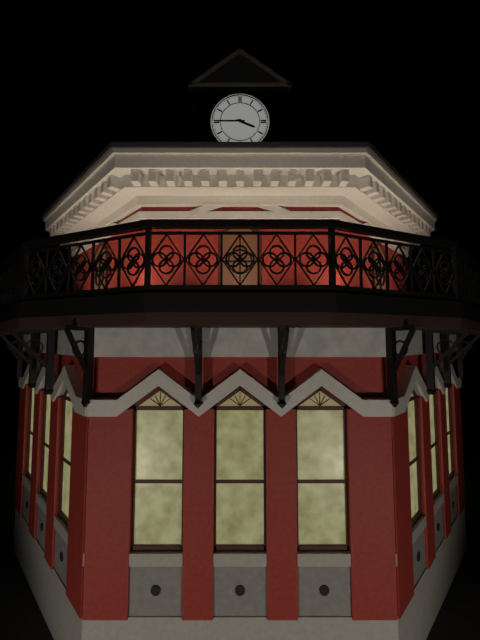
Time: h=3 m=45
